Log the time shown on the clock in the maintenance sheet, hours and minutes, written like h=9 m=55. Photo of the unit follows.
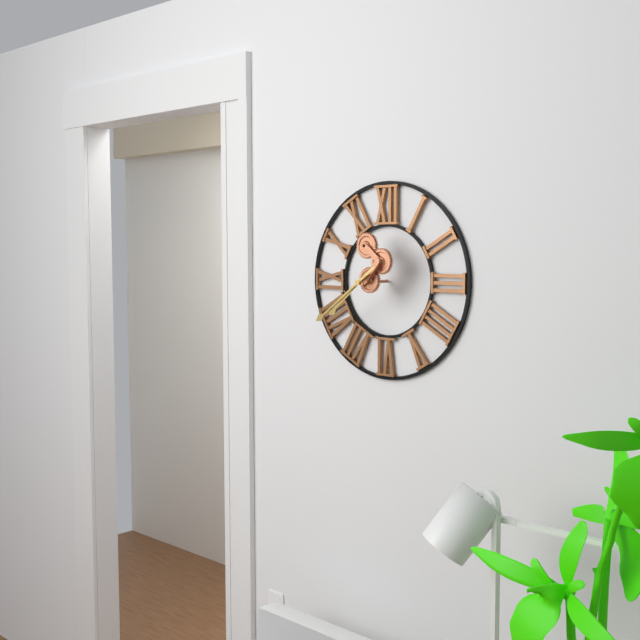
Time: h=7 m=39
